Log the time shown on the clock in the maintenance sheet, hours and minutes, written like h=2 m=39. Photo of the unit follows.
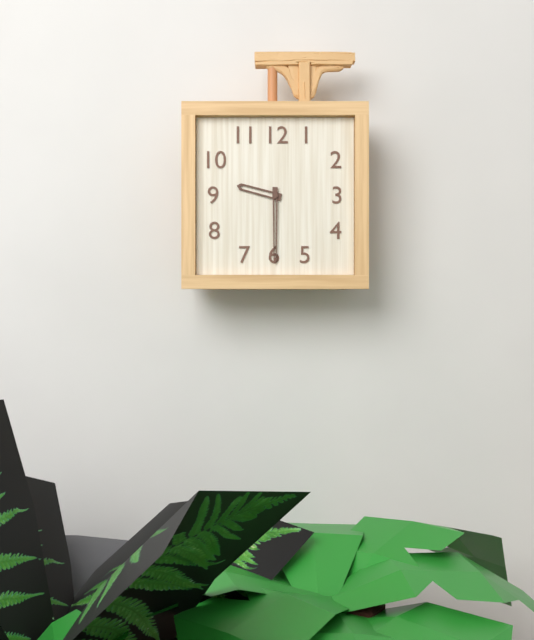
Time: h=9 m=30
